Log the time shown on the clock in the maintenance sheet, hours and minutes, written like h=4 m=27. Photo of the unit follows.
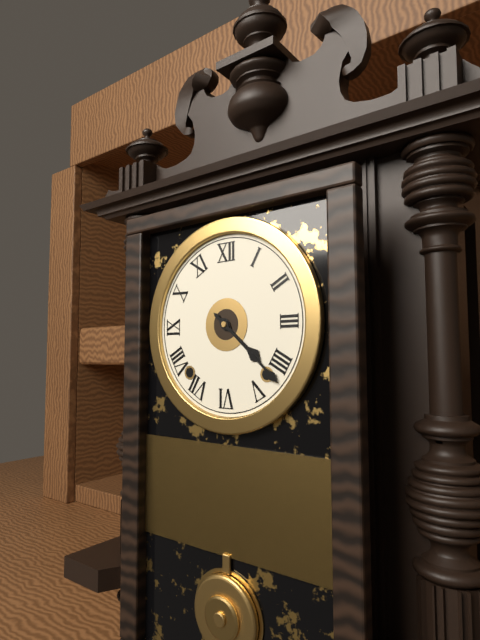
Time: h=4 m=22
